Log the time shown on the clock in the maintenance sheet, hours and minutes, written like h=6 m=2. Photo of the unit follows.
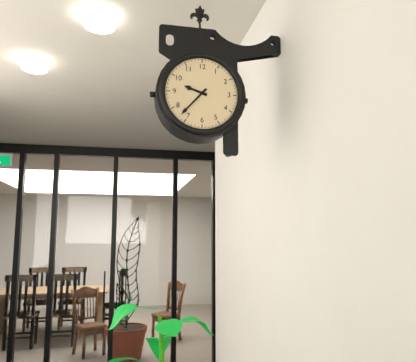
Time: h=9 m=37
